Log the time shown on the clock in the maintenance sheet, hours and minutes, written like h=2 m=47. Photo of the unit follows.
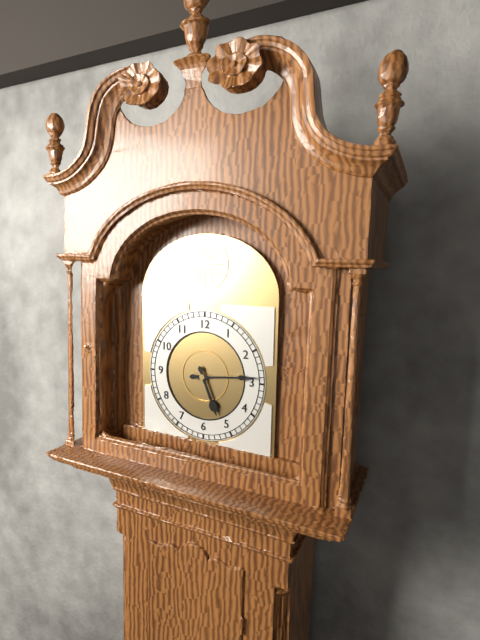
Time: h=5 m=14
